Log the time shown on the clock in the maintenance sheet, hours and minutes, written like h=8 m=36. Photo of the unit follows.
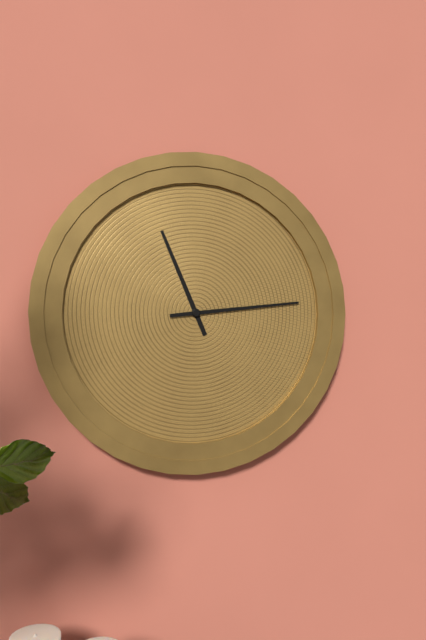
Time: h=11 m=14
